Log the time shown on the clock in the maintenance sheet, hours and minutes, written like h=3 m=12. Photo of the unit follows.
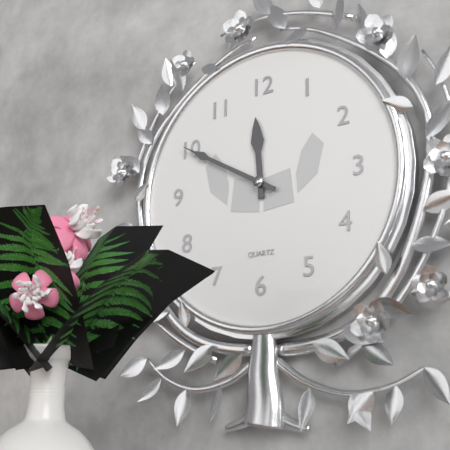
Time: h=11 m=50
